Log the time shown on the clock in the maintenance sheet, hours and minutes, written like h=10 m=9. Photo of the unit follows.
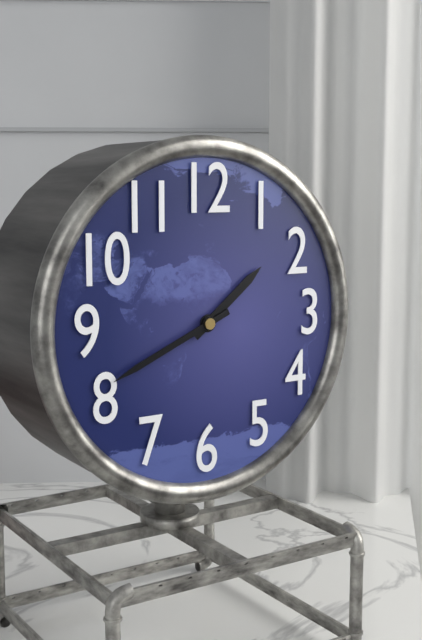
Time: h=1 m=41
